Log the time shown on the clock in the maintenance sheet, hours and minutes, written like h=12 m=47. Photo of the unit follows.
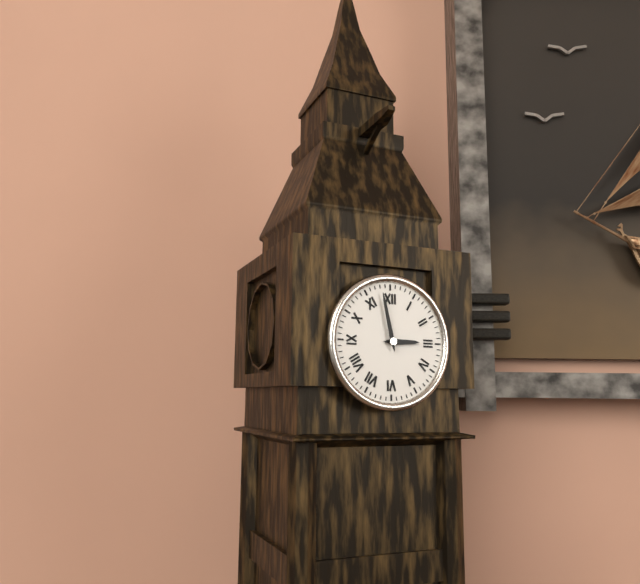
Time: h=2 m=58
